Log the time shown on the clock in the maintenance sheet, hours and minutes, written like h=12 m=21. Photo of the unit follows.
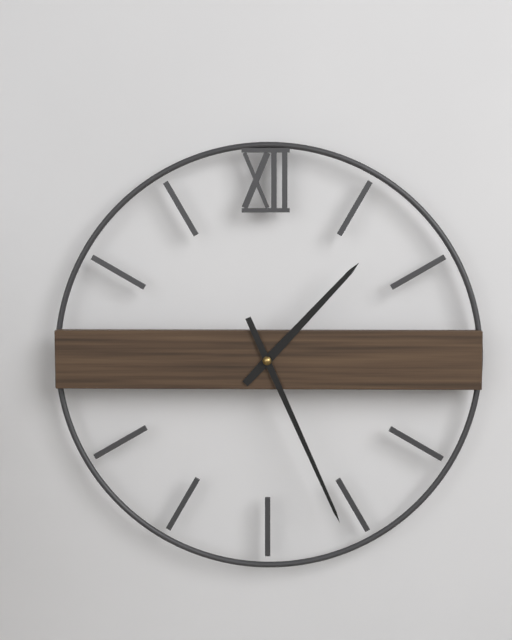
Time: h=1 m=26
